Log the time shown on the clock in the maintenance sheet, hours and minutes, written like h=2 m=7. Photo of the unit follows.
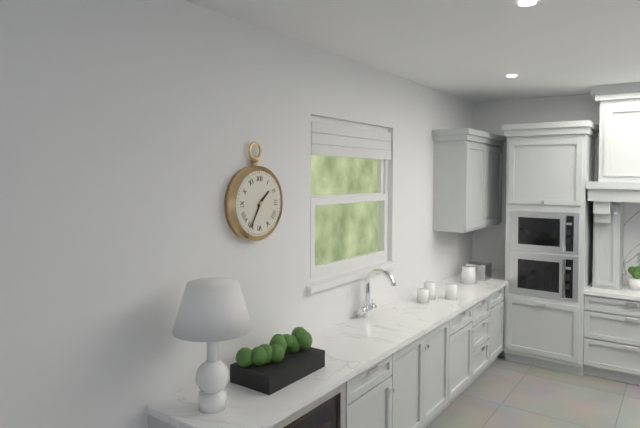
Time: h=1 m=35
